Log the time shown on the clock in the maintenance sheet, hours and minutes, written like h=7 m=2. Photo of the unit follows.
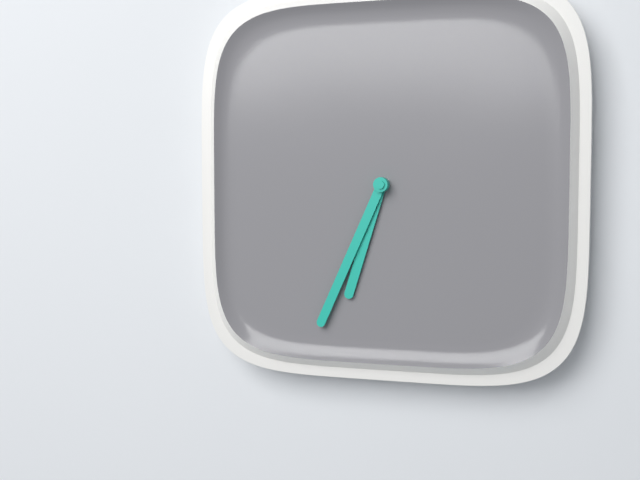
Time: h=6 m=34
